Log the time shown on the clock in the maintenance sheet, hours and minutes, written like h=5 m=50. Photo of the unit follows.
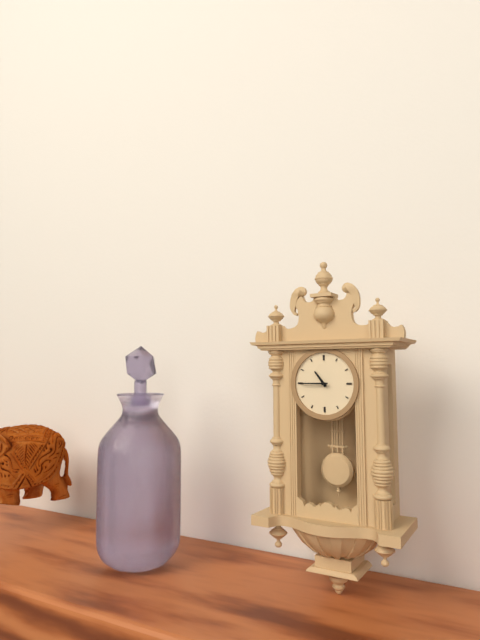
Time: h=10 m=45
